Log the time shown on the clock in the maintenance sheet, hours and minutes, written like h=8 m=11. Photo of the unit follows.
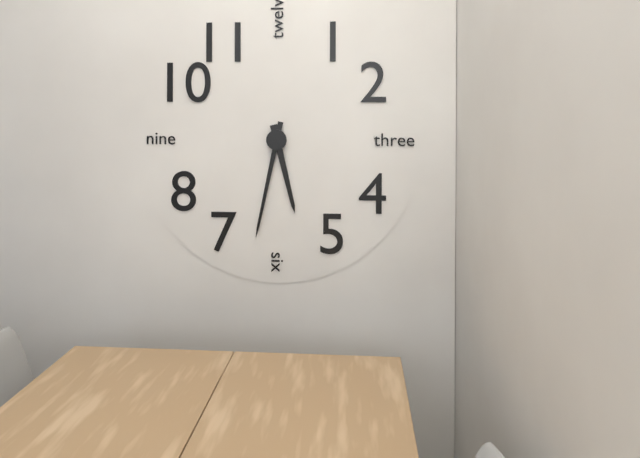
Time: h=5 m=32
